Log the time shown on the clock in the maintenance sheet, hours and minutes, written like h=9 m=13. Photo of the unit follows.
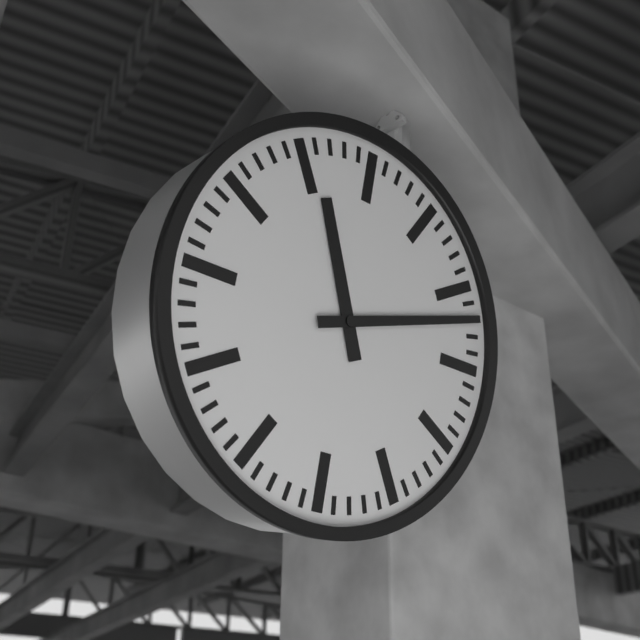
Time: h=11 m=12
